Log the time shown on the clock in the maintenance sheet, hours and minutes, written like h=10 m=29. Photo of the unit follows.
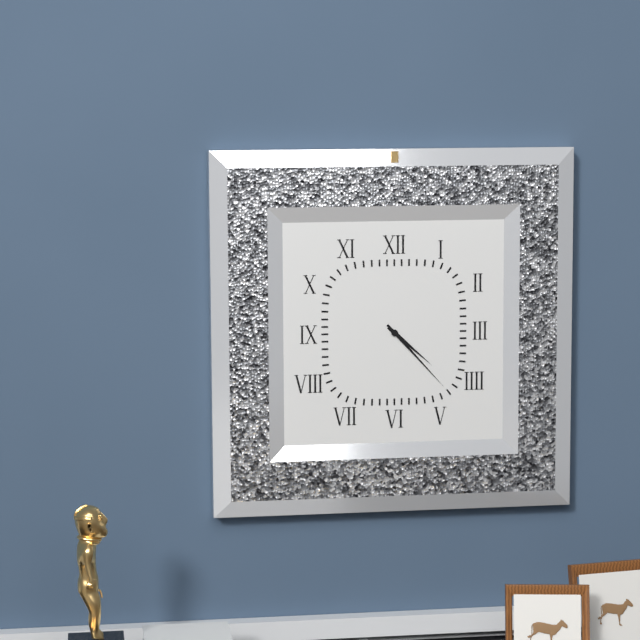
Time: h=4 m=23
